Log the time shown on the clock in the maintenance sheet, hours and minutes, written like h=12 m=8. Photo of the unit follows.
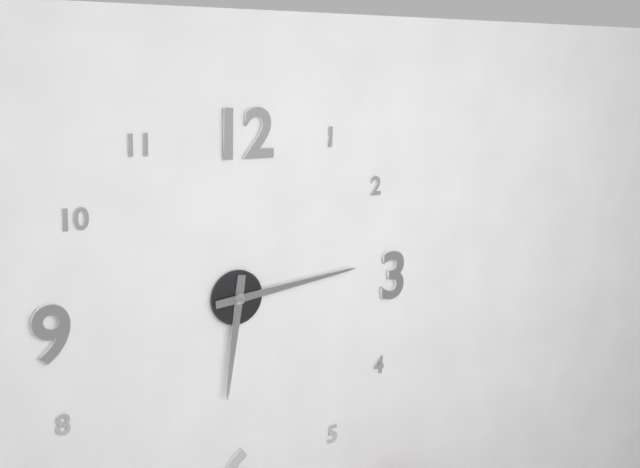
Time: h=6 m=14
